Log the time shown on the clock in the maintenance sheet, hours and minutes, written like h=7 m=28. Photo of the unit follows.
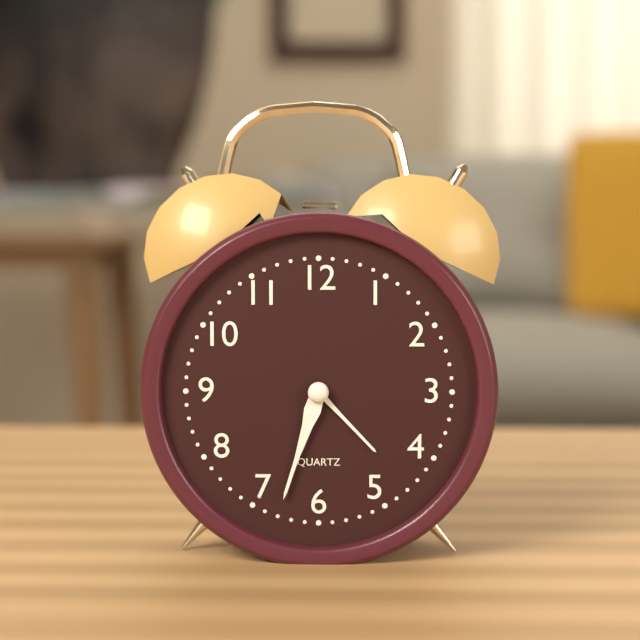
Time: h=4 m=33
